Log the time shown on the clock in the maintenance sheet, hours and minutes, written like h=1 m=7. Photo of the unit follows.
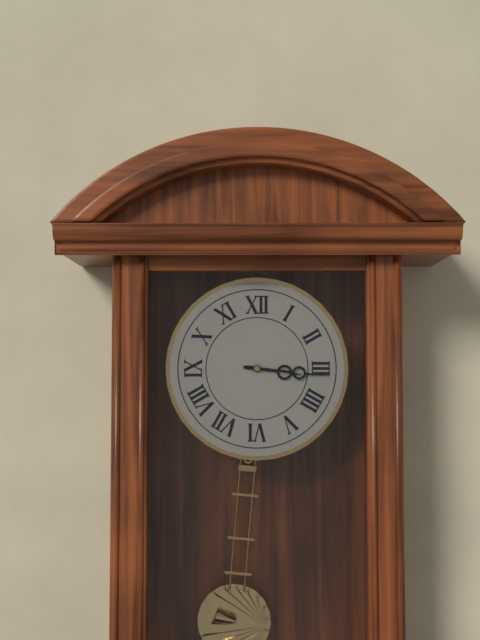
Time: h=3 m=16
